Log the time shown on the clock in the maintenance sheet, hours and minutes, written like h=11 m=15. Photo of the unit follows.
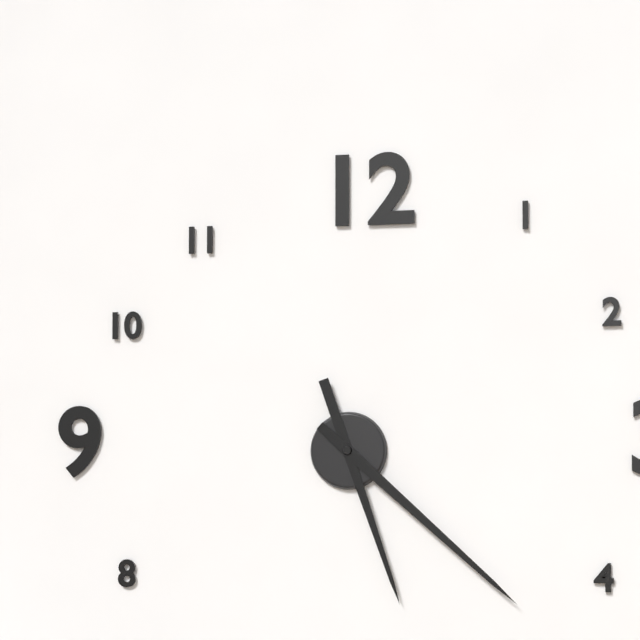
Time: h=5 m=22
